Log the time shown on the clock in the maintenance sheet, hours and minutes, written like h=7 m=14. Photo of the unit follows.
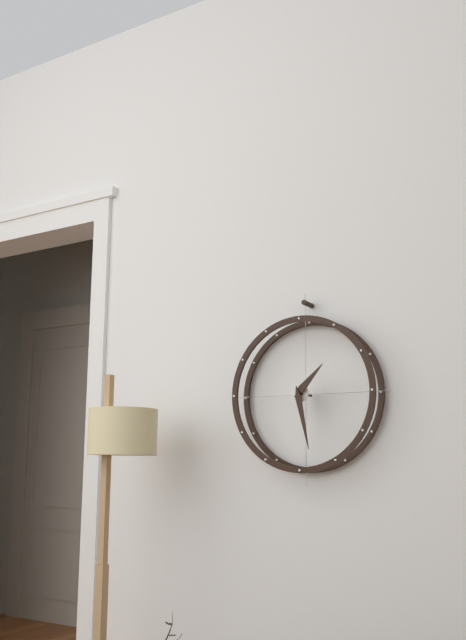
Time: h=1 m=28
